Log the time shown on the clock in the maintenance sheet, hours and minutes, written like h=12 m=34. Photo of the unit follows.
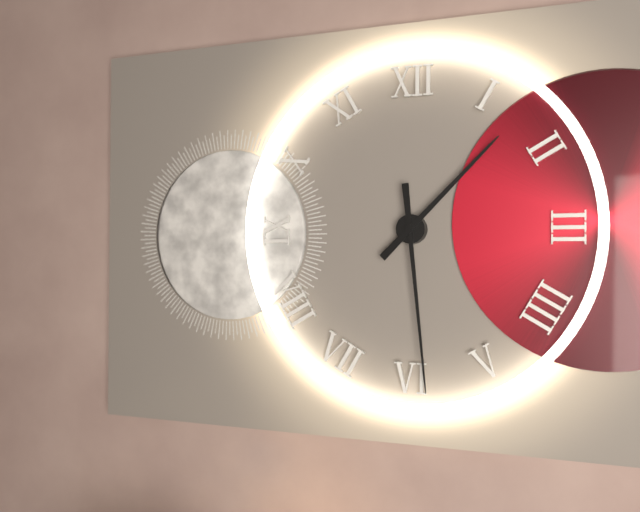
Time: h=1 m=29
